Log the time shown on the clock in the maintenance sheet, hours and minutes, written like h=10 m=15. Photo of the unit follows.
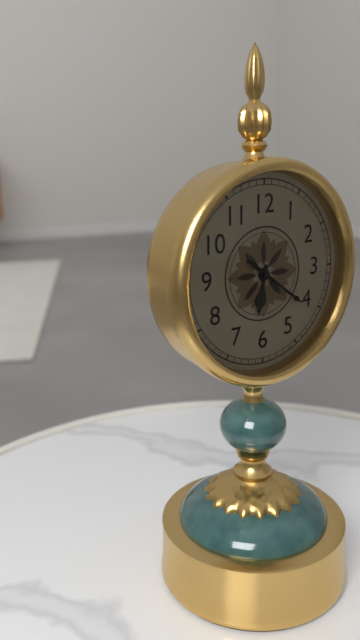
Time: h=6 m=21
